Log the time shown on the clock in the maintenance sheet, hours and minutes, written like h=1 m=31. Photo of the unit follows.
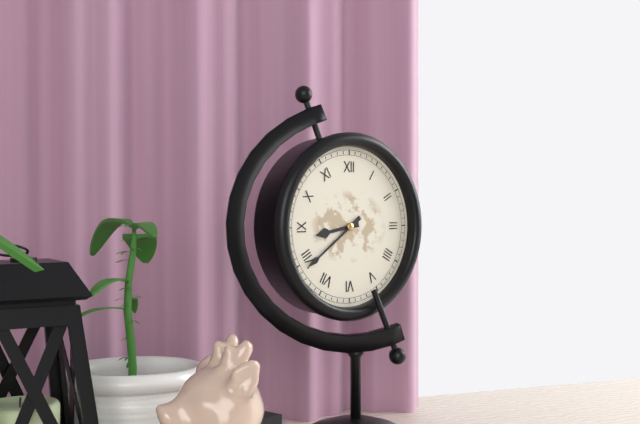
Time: h=8 m=39
